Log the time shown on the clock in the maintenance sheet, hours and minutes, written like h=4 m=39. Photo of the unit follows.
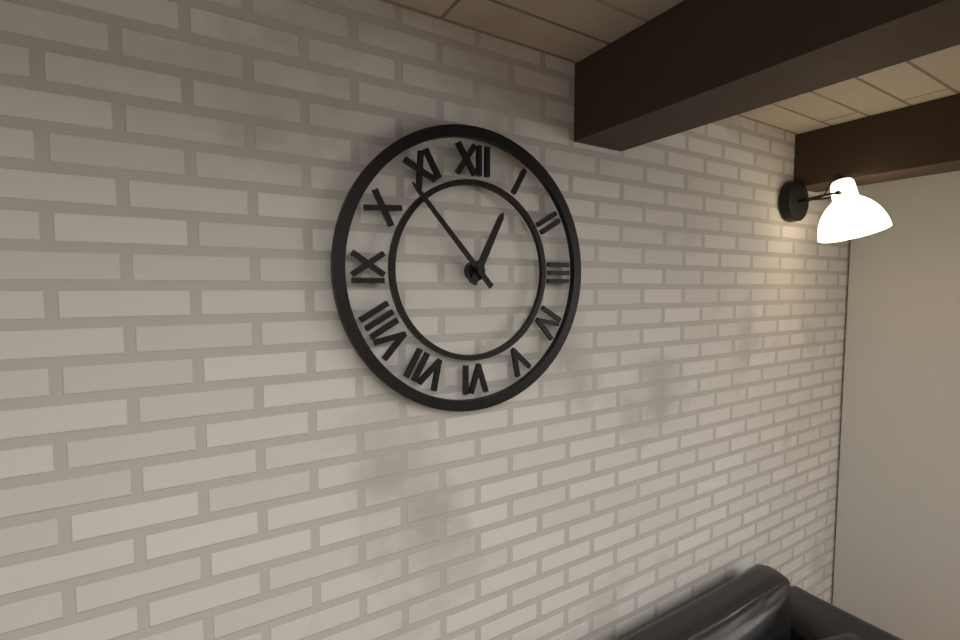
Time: h=12 m=53
